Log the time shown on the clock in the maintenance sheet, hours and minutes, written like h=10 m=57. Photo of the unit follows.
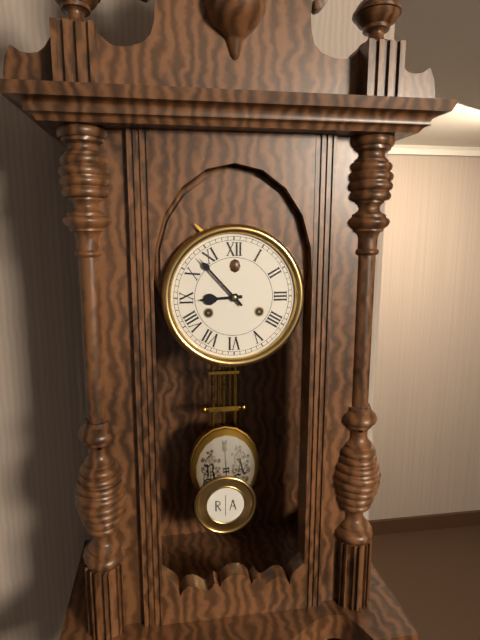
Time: h=8 m=53
